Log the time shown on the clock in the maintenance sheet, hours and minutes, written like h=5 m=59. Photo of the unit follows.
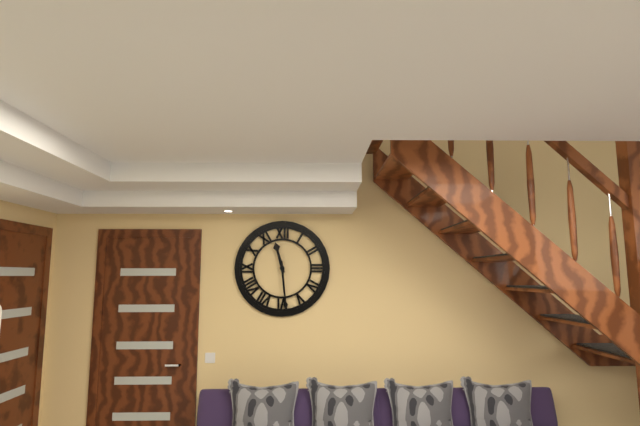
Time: h=11 m=29
